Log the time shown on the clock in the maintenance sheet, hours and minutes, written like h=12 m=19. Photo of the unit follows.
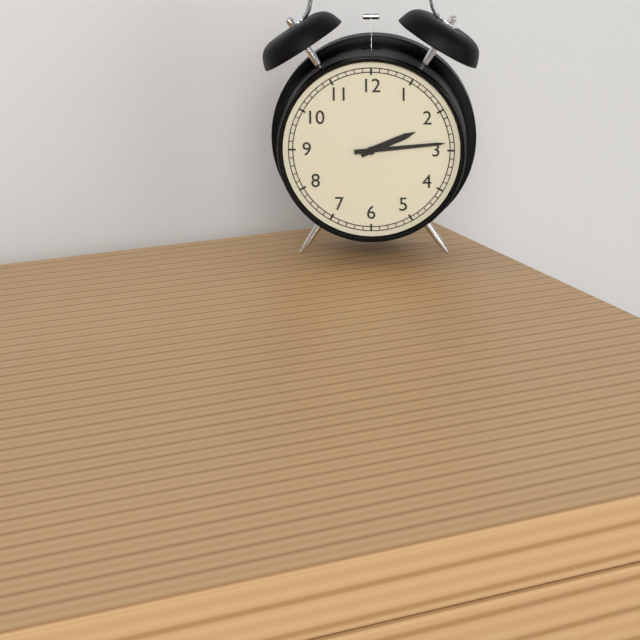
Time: h=2 m=14
